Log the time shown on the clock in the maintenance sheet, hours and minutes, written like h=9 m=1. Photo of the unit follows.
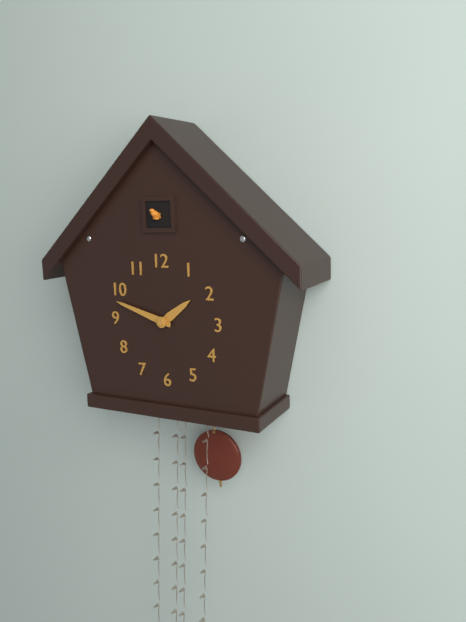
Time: h=1 m=48
